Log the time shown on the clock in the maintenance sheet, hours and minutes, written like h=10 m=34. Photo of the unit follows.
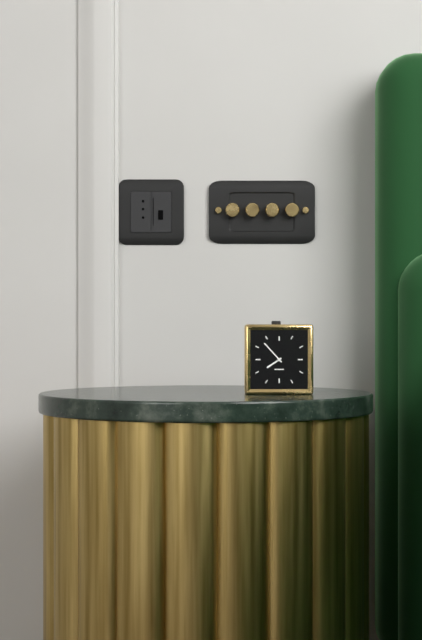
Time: h=7 m=53
